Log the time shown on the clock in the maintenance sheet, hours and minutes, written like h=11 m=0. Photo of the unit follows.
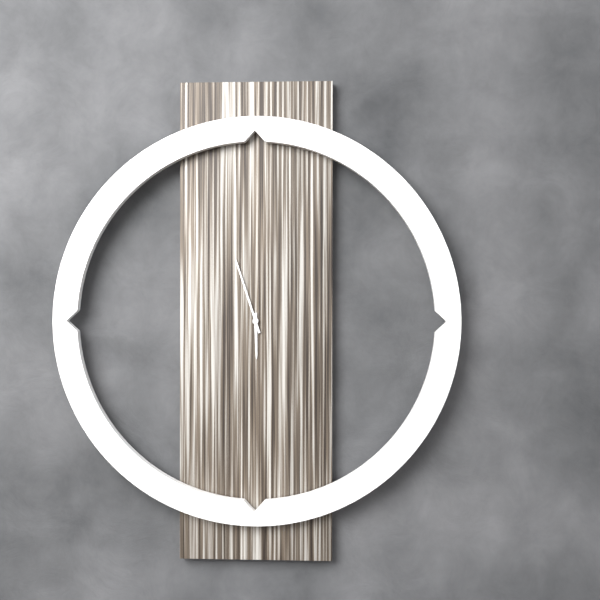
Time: h=5 m=57
